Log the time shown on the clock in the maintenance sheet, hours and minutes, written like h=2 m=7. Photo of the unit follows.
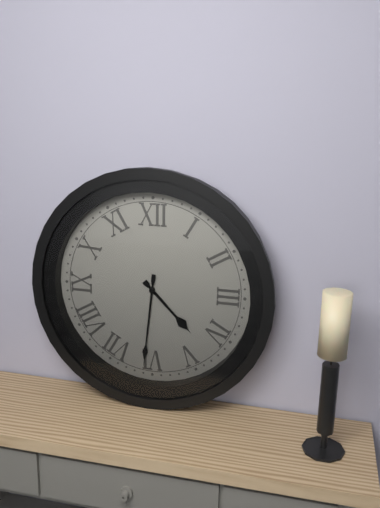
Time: h=4 m=31
